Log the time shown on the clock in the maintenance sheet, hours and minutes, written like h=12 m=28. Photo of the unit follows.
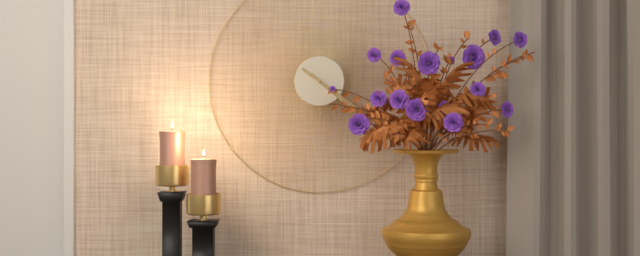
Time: h=4 m=21
